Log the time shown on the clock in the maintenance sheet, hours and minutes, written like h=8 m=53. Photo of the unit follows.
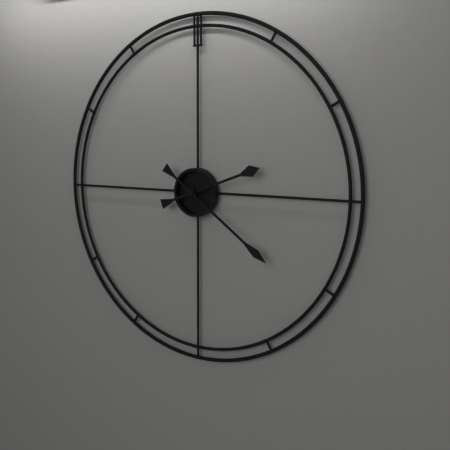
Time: h=2 m=21
